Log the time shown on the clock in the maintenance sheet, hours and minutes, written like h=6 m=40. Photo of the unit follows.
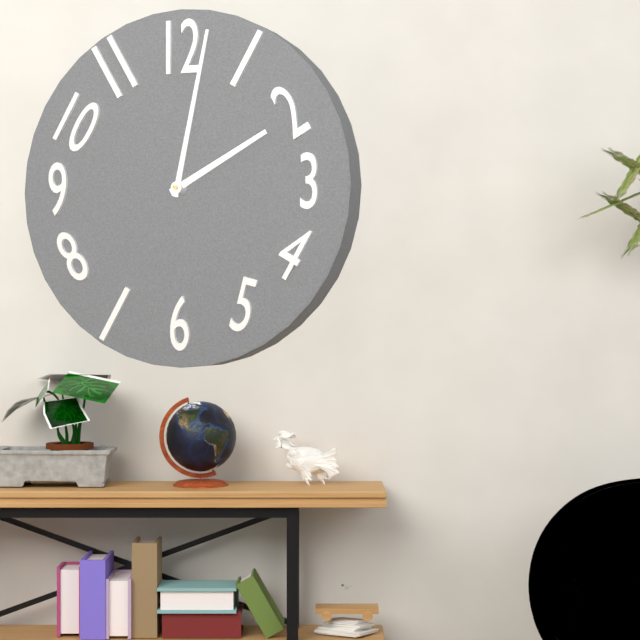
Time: h=2 m=2
